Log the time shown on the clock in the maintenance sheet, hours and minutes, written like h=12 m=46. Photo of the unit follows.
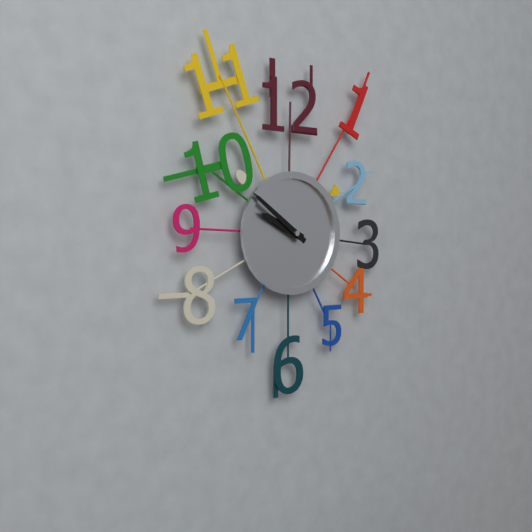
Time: h=9 m=51
